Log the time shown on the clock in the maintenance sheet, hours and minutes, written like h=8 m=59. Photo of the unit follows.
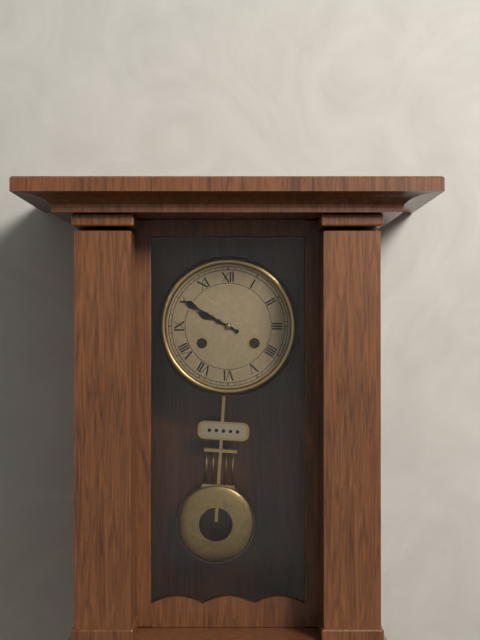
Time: h=9 m=50
